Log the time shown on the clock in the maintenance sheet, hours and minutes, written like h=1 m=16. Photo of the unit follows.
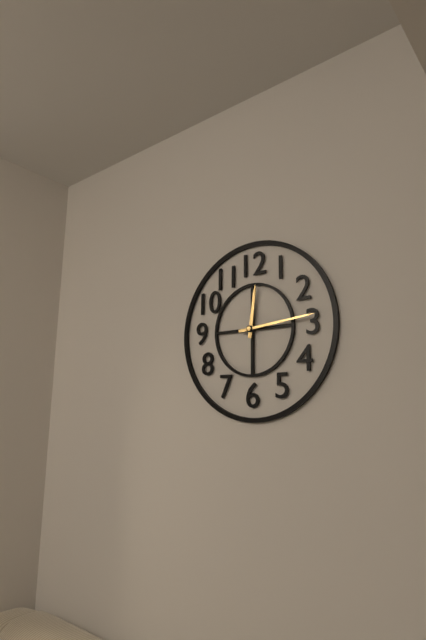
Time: h=12 m=14
